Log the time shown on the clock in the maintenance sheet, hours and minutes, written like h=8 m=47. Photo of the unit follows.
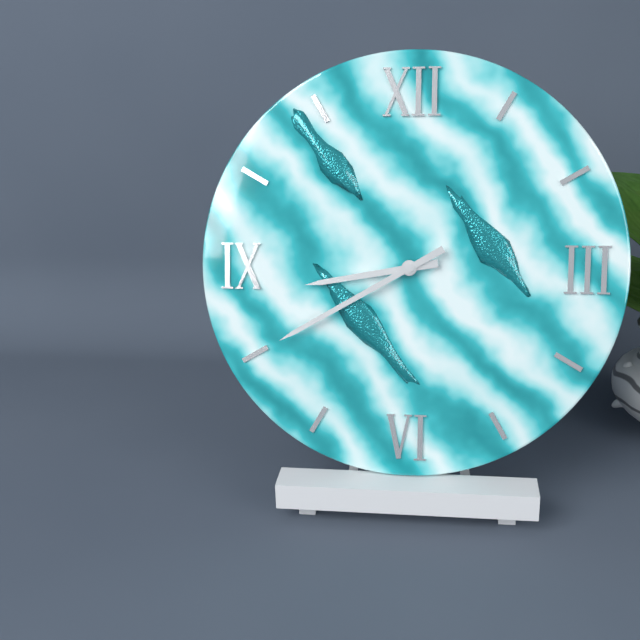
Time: h=8 m=40
